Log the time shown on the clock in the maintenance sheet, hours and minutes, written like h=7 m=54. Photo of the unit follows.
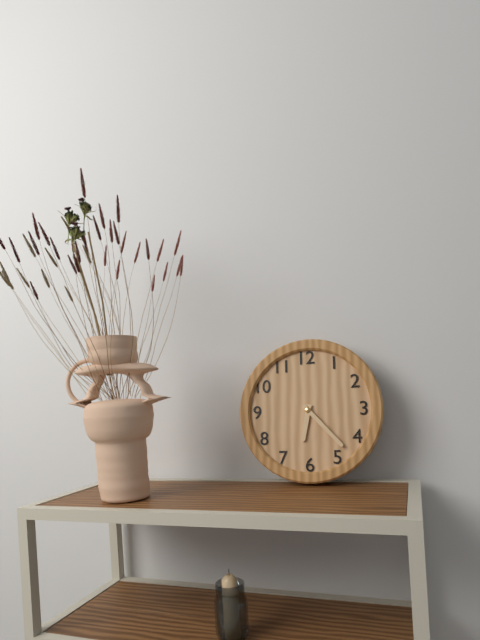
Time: h=6 m=23
